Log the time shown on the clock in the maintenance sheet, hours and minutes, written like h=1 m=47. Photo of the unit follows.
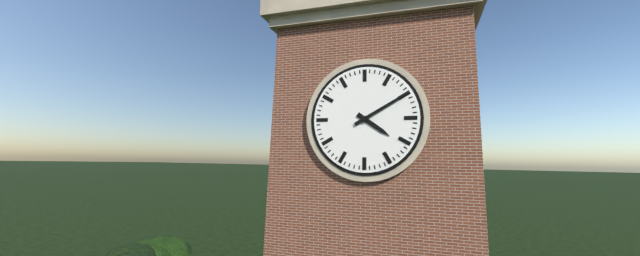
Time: h=4 m=10
